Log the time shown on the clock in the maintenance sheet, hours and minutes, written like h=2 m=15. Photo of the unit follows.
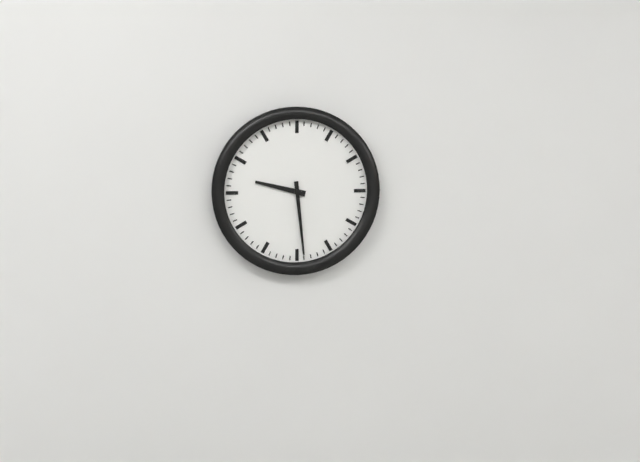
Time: h=9 m=29
